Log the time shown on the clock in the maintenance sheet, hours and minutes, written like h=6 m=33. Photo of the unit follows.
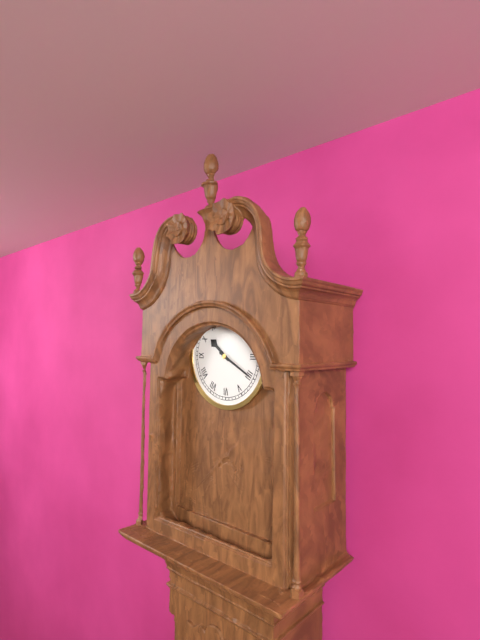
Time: h=10 m=20
